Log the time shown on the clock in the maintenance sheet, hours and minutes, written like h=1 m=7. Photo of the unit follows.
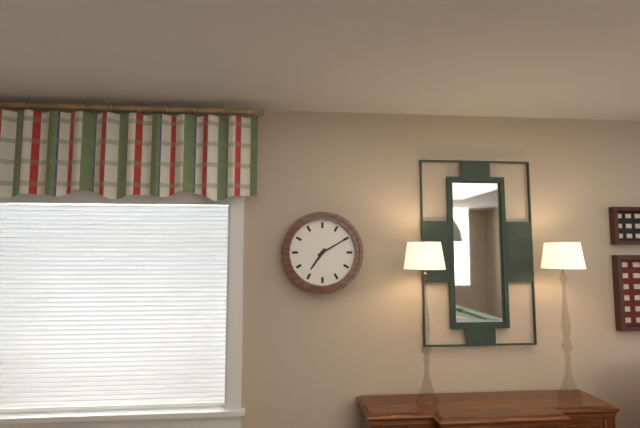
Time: h=7 m=10
